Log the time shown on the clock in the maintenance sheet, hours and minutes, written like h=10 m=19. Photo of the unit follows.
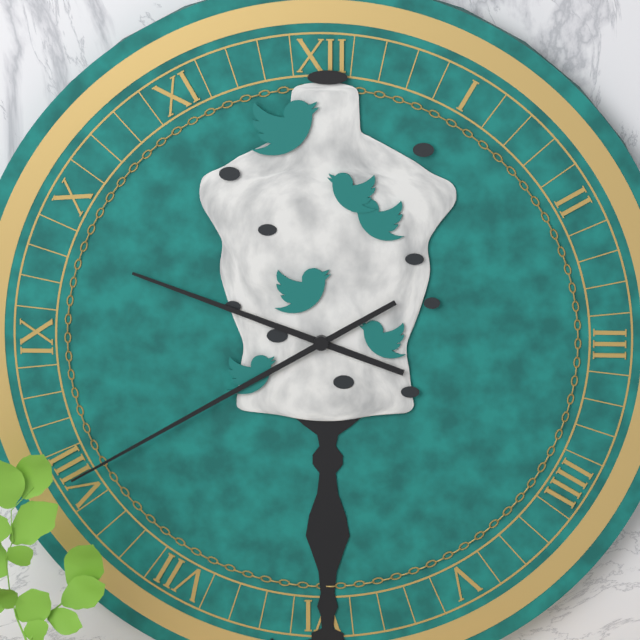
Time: h=9 m=40
